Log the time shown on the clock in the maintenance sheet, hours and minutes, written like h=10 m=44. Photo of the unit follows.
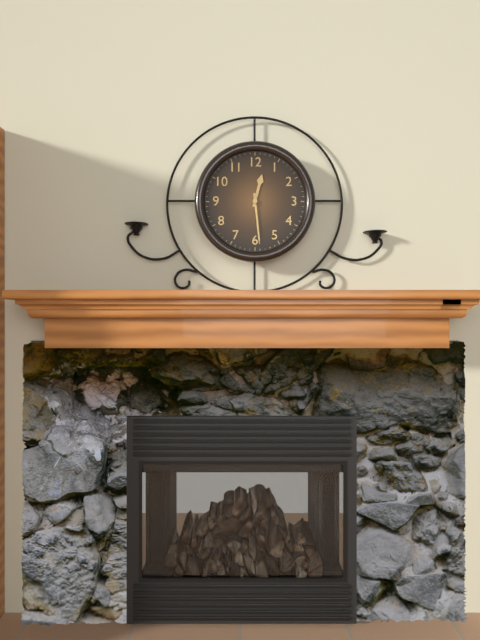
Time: h=12 m=29
